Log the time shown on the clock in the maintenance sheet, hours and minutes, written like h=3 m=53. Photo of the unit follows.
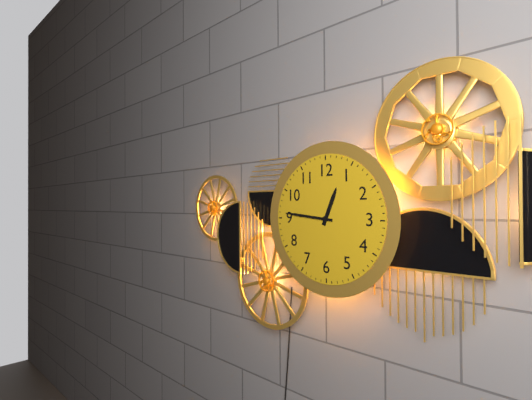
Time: h=12 m=46
